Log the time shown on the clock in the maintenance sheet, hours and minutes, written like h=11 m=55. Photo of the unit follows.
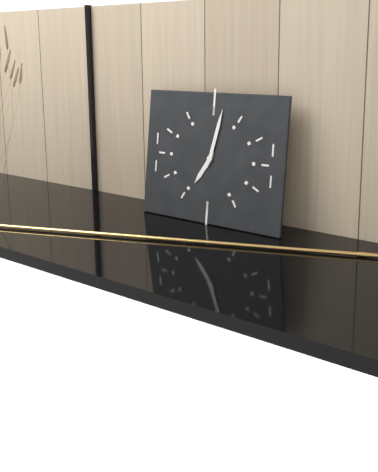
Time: h=7 m=2
